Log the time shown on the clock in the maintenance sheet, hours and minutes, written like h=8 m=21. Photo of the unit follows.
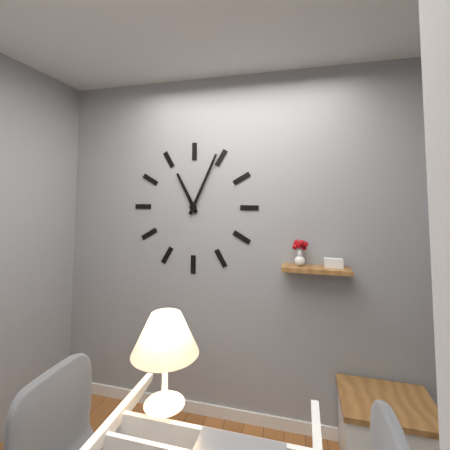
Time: h=11 m=4
